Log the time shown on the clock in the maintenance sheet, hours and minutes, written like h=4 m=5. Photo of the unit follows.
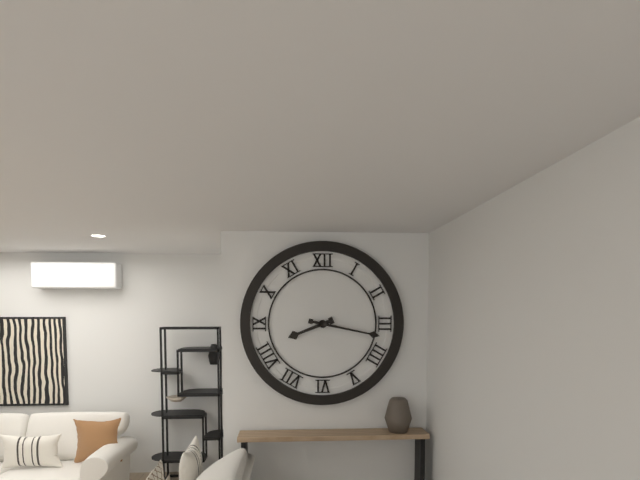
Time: h=8 m=17
